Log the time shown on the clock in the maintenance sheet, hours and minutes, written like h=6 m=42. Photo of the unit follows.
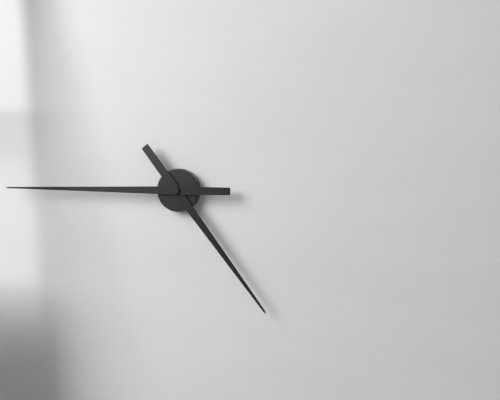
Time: h=4 m=45
